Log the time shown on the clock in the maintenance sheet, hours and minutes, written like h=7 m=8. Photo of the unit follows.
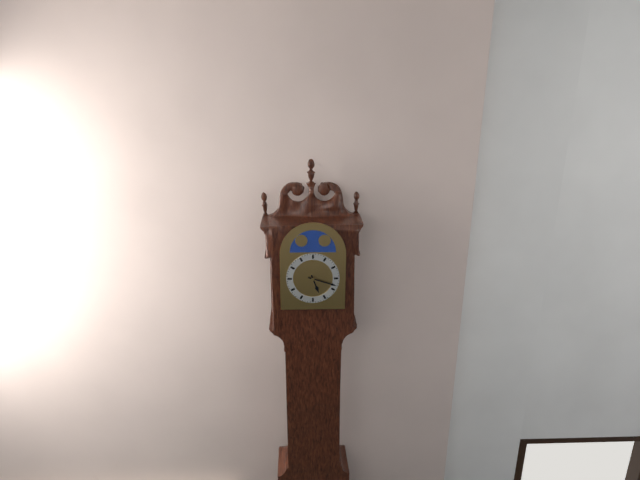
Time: h=5 m=18
